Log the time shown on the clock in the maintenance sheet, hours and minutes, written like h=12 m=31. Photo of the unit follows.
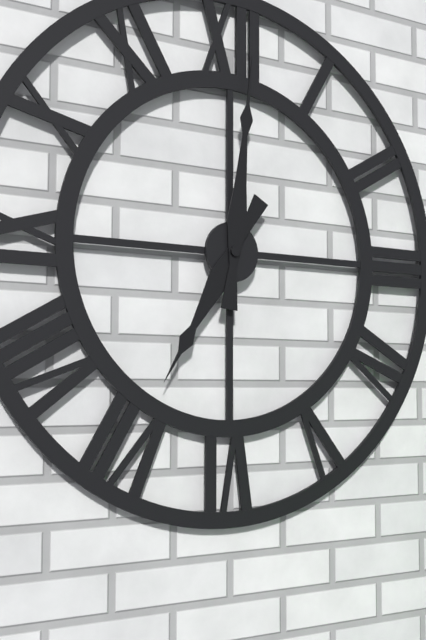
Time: h=7 m=1
